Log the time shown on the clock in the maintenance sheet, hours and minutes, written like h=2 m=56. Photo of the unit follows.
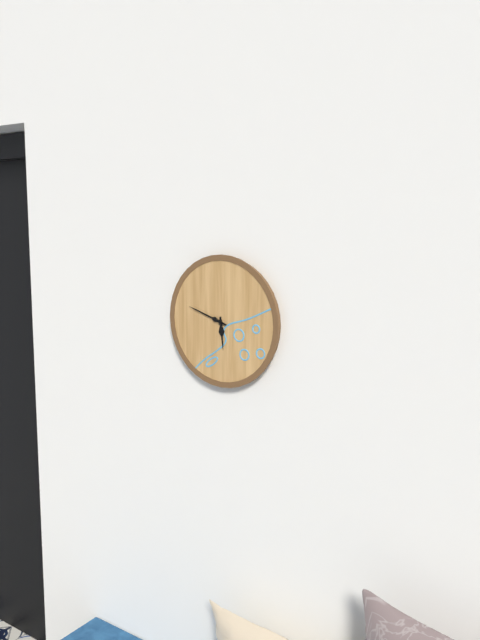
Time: h=5 m=48
